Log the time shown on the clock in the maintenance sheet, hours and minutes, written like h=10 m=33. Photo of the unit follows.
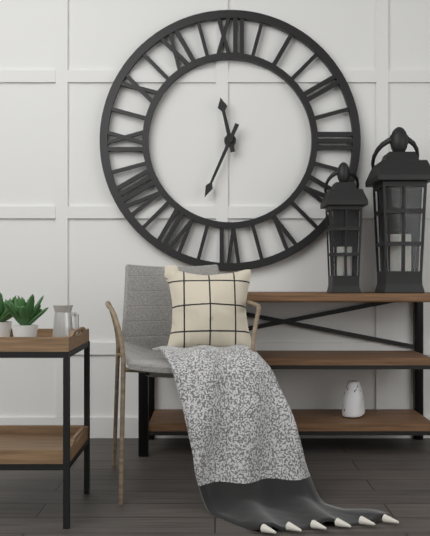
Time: h=11 m=34
